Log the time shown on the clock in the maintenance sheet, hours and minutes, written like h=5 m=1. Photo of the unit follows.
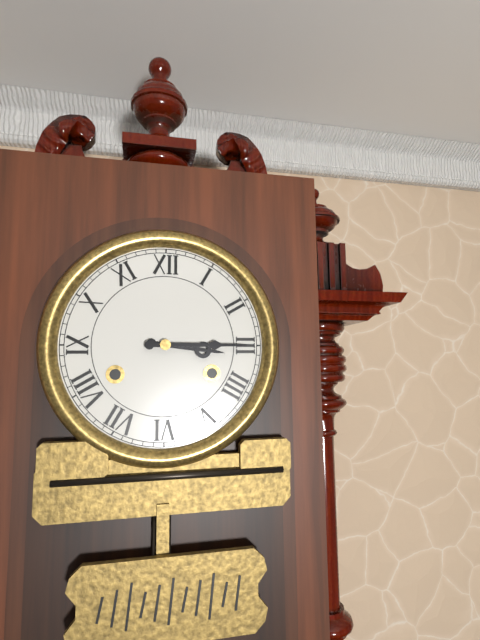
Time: h=3 m=15
